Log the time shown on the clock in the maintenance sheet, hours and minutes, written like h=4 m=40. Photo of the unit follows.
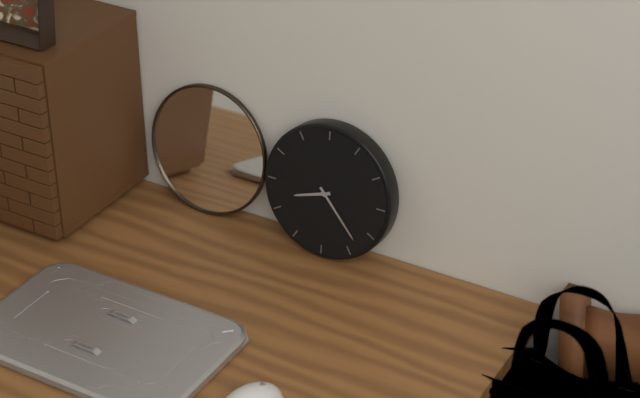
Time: h=8 m=23
